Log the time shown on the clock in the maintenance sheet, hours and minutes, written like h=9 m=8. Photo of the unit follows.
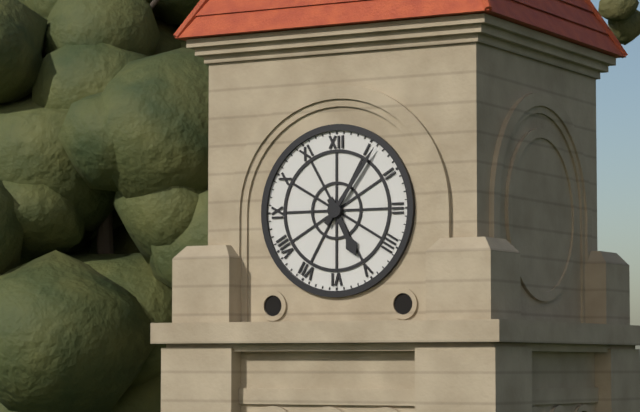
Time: h=5 m=6
